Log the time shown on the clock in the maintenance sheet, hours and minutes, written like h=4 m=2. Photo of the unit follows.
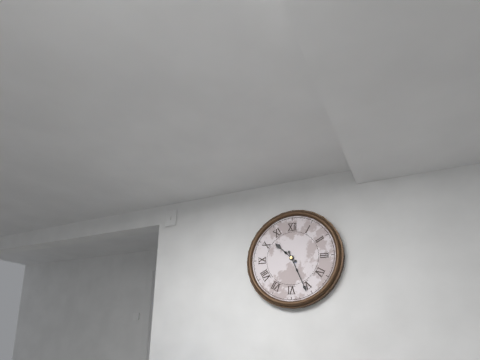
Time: h=10 m=26
